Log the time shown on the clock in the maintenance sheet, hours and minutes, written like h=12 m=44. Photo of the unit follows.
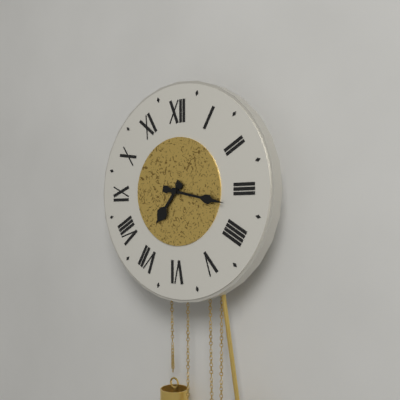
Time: h=7 m=17
